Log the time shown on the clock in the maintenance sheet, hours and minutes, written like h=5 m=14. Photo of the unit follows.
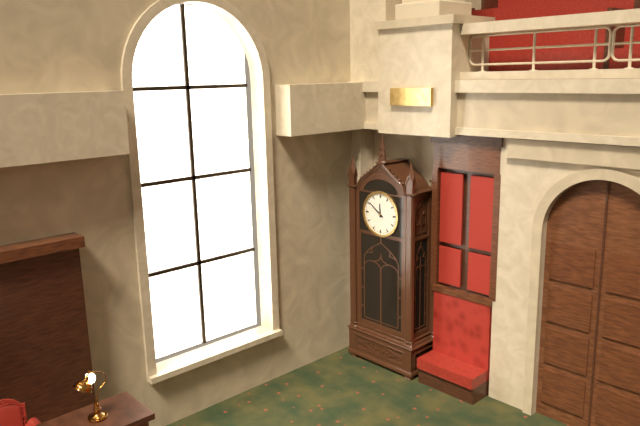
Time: h=11 m=51
